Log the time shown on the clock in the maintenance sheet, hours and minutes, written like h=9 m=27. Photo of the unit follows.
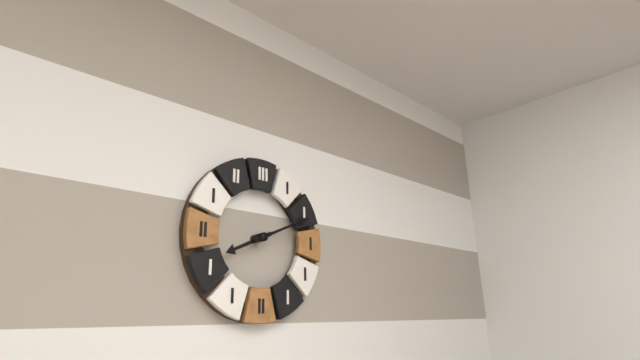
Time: h=8 m=11
